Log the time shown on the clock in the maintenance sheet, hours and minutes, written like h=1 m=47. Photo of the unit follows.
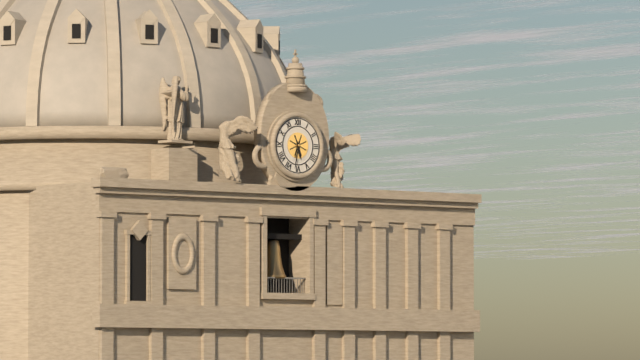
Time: h=5 m=32
